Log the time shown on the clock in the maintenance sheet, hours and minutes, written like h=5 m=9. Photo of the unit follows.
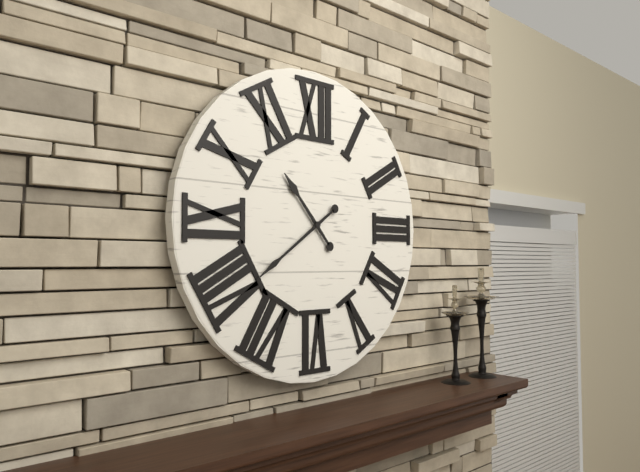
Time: h=10 m=39
